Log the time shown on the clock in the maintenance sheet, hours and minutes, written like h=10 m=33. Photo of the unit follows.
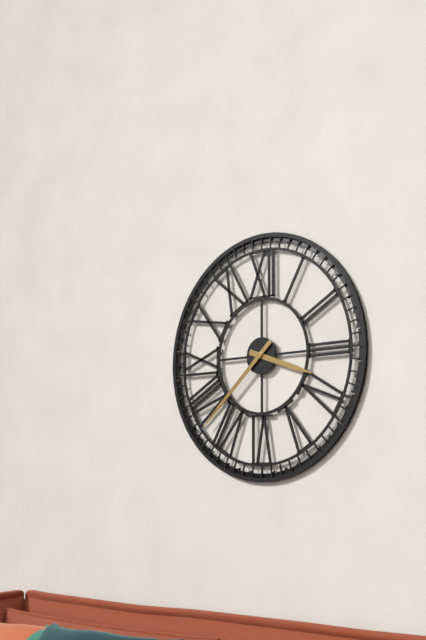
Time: h=3 m=38
